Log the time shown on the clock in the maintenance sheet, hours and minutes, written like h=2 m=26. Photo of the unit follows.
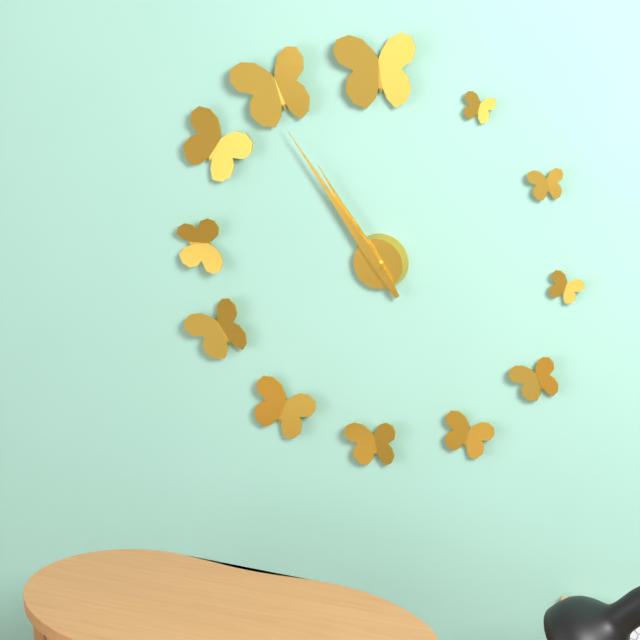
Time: h=10 m=54
